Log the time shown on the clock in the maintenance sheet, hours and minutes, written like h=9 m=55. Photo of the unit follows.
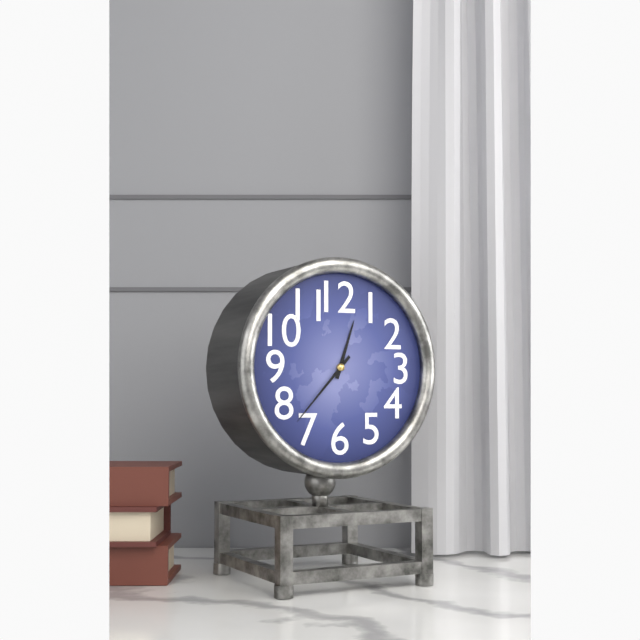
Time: h=12 m=37
